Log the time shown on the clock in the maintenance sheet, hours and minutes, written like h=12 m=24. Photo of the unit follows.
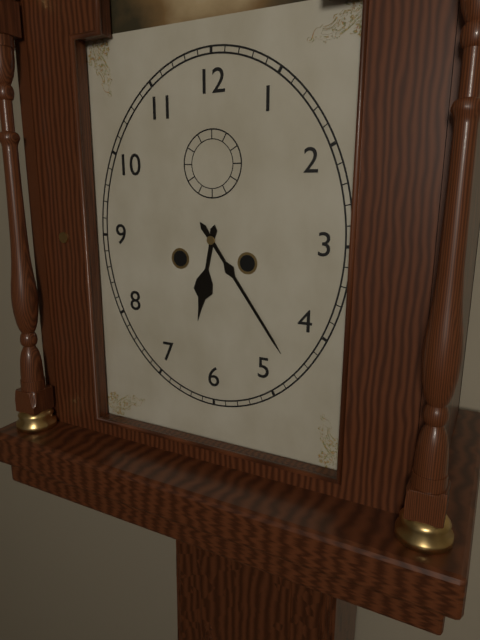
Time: h=6 m=24
